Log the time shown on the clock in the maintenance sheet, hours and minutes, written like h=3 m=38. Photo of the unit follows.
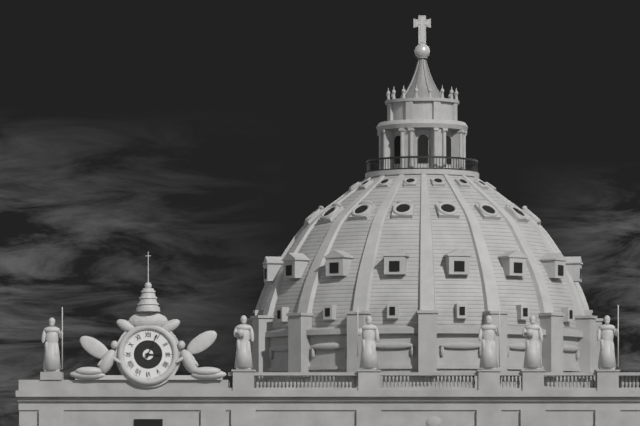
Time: h=3 m=4
